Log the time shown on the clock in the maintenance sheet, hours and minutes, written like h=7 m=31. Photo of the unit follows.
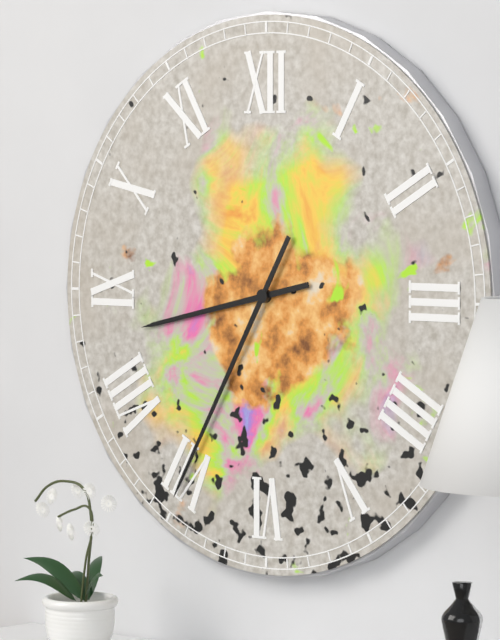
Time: h=8 m=35
